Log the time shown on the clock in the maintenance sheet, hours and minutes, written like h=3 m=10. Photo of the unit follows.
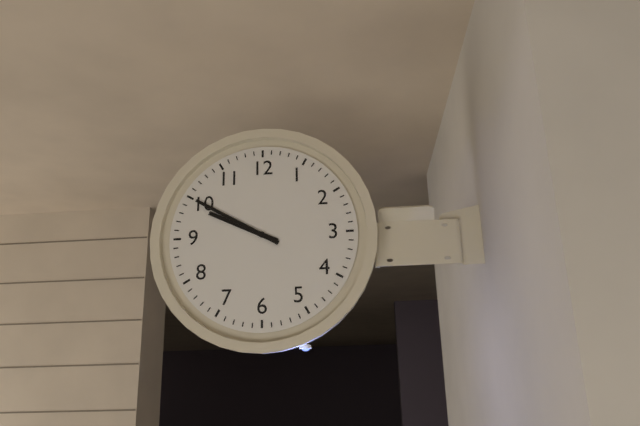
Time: h=9 m=50
